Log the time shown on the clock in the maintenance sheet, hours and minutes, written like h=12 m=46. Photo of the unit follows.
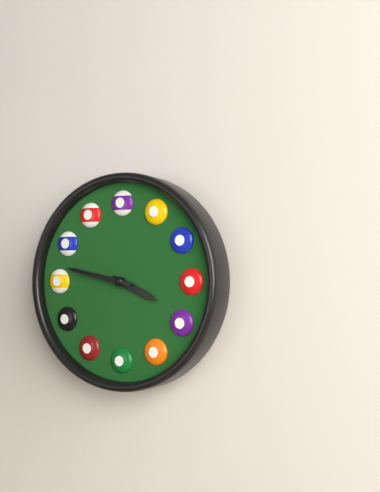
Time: h=3 m=47
